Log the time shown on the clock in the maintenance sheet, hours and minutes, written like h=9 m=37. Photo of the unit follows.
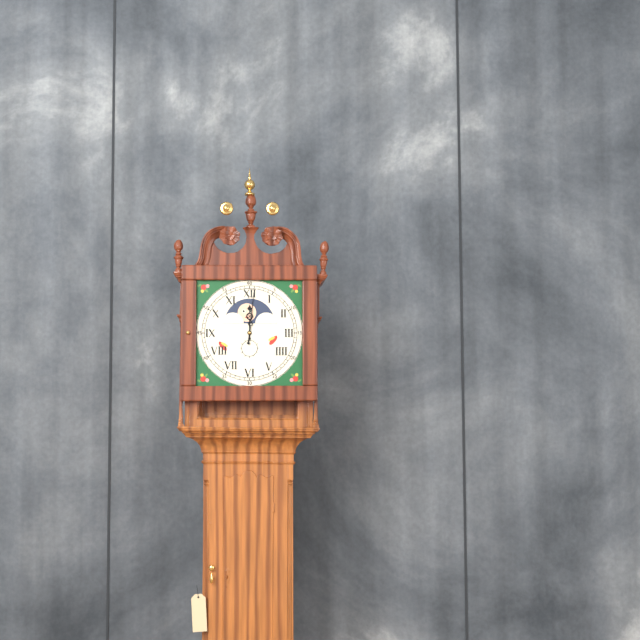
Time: h=12 m=1
